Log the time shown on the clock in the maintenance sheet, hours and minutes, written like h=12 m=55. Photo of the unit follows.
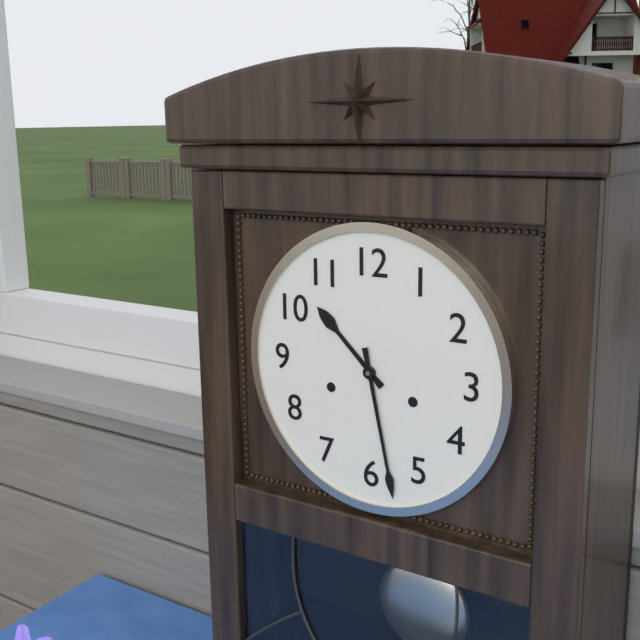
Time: h=10 m=28
